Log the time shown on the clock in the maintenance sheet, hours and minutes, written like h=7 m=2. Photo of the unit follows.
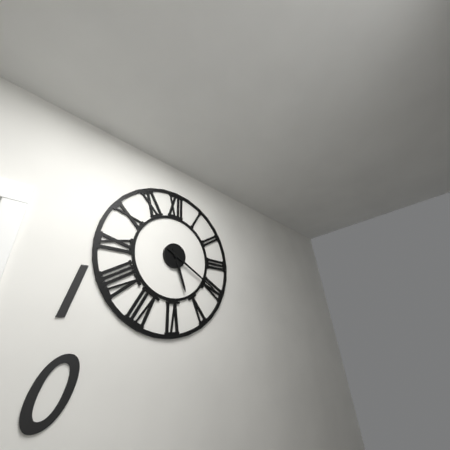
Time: h=5 m=20
